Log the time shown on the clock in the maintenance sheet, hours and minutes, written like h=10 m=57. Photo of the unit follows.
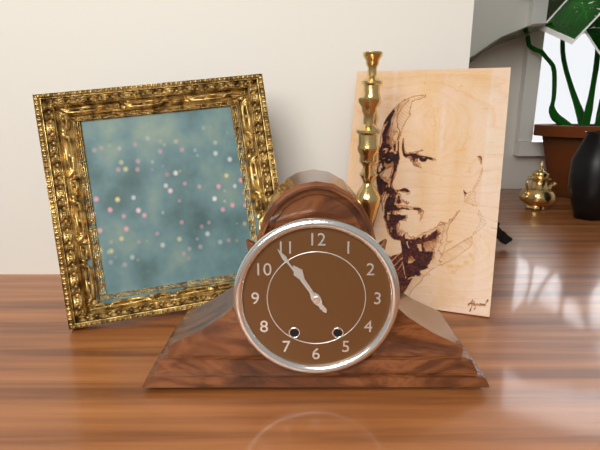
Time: h=10 m=54
